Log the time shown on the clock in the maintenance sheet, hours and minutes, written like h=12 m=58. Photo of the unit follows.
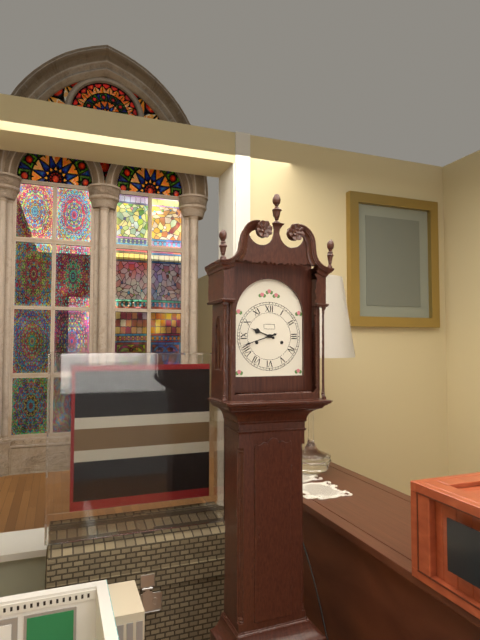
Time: h=9 m=42
